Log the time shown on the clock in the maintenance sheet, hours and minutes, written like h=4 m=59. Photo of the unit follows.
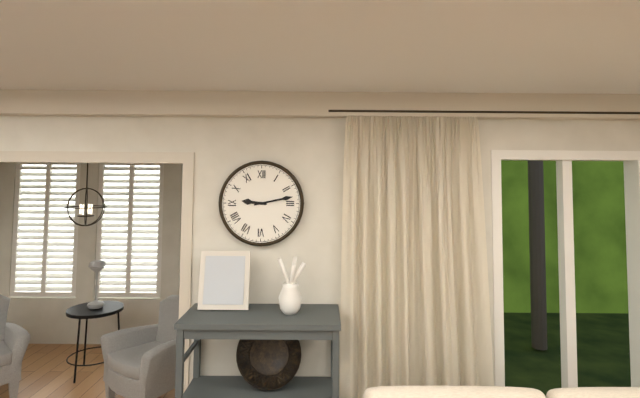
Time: h=9 m=13
